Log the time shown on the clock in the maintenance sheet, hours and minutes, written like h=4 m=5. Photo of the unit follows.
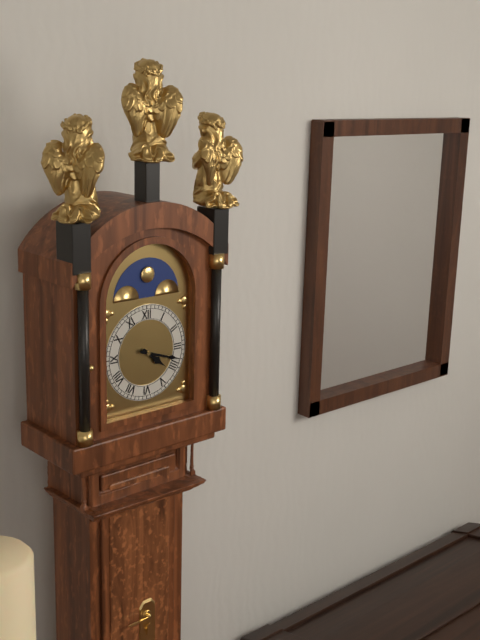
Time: h=4 m=18
